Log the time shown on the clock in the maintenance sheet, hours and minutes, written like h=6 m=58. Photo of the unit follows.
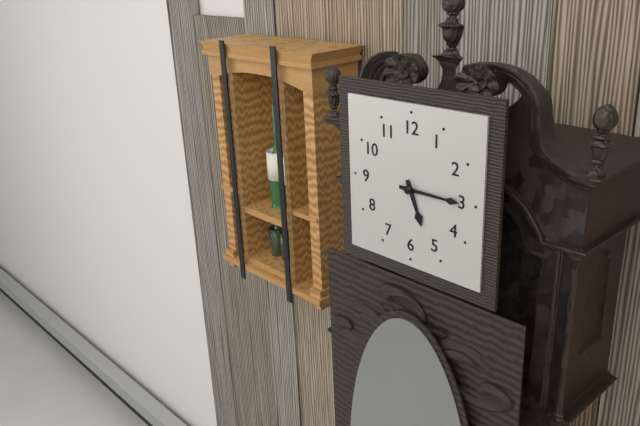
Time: h=5 m=15
